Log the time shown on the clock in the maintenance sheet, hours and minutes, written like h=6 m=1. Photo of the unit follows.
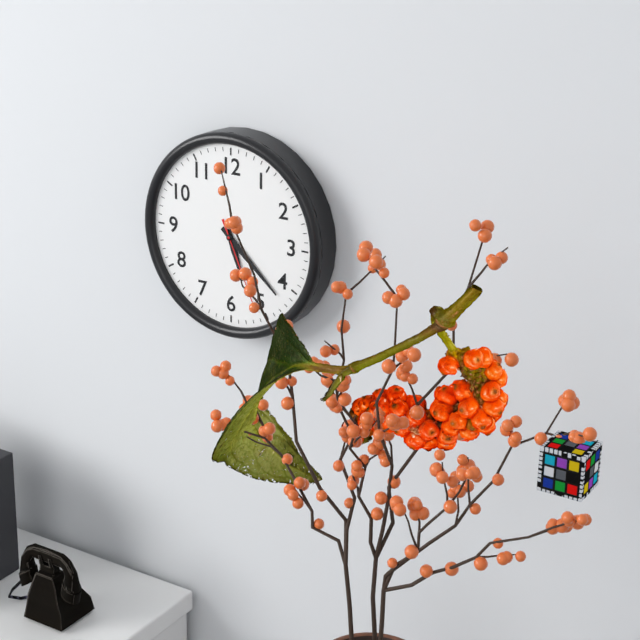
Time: h=5 m=22
